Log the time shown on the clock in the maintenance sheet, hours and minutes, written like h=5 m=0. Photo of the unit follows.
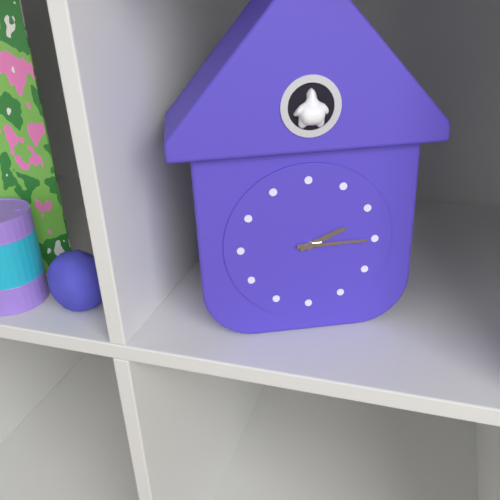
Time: h=2 m=15
